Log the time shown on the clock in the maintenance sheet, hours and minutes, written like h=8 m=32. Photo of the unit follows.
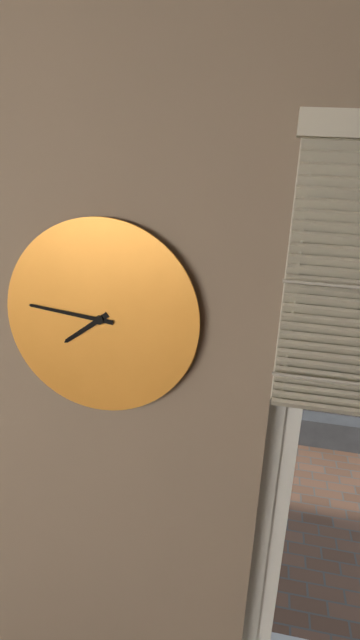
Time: h=7 m=46
